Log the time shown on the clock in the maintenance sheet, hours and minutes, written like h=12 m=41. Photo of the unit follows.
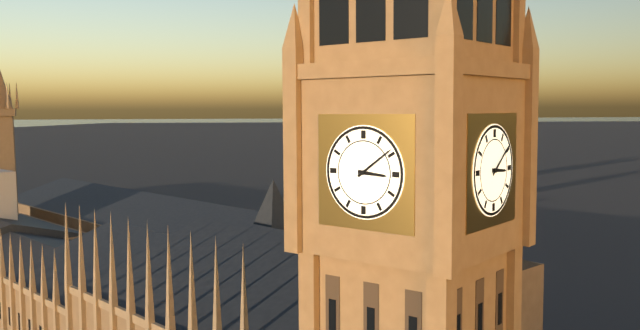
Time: h=3 m=9
